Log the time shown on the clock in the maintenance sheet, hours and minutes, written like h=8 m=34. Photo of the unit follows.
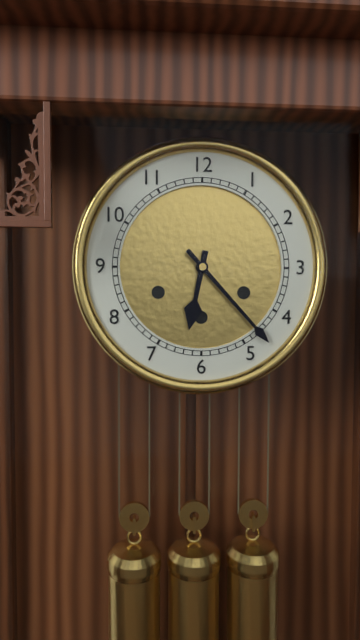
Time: h=6 m=23
